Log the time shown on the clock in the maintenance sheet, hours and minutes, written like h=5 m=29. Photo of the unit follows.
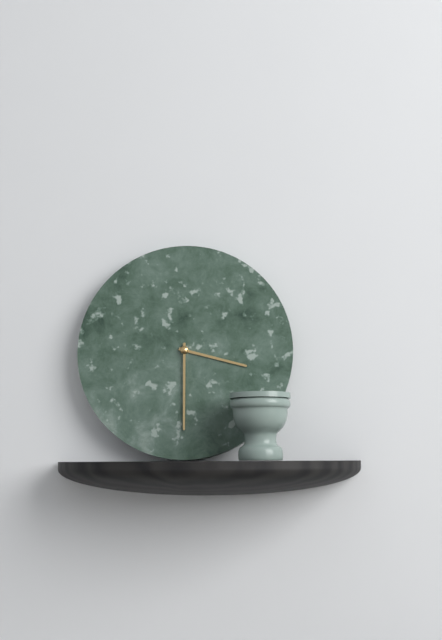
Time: h=3 m=30
